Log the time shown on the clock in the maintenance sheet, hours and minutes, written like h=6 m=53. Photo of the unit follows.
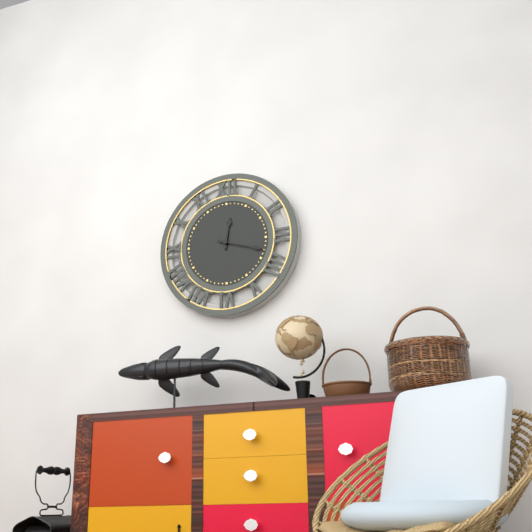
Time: h=12 m=18
